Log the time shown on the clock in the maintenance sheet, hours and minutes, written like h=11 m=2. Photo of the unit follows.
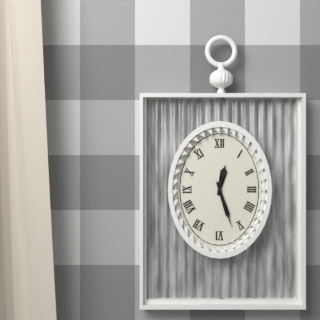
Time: h=12 m=27
